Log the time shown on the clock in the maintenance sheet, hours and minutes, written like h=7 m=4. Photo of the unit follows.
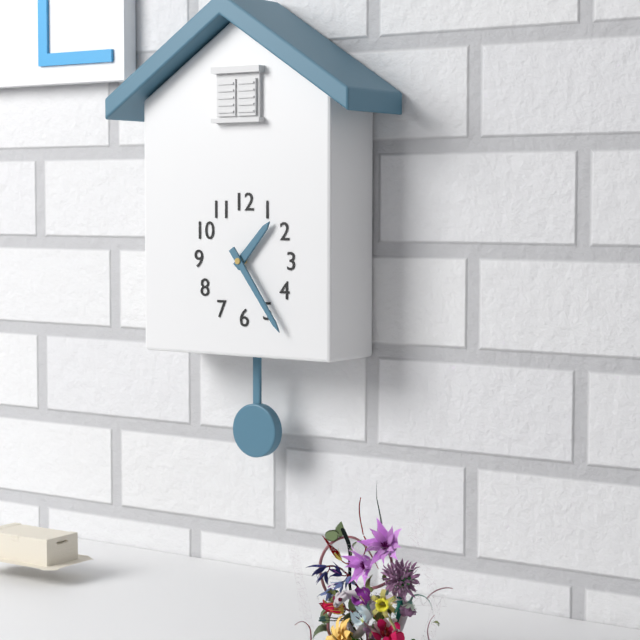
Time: h=1 m=24
